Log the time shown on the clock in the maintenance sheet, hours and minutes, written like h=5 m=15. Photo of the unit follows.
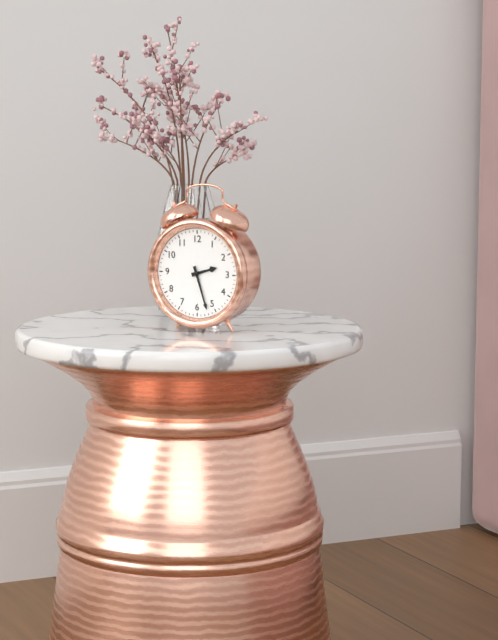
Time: h=2 m=27
